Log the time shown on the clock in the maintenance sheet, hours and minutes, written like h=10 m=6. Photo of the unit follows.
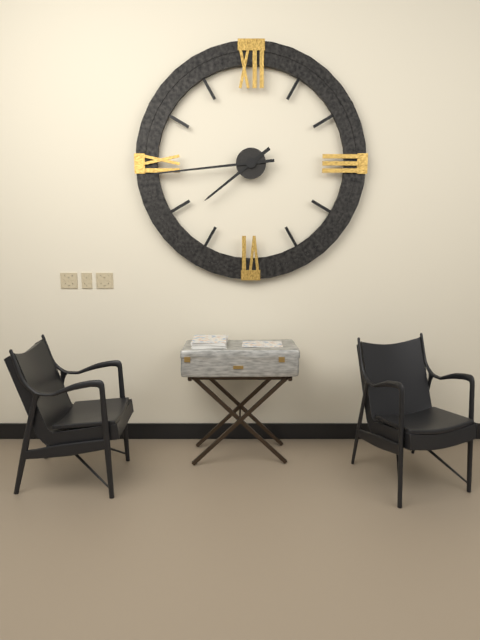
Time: h=7 m=44
